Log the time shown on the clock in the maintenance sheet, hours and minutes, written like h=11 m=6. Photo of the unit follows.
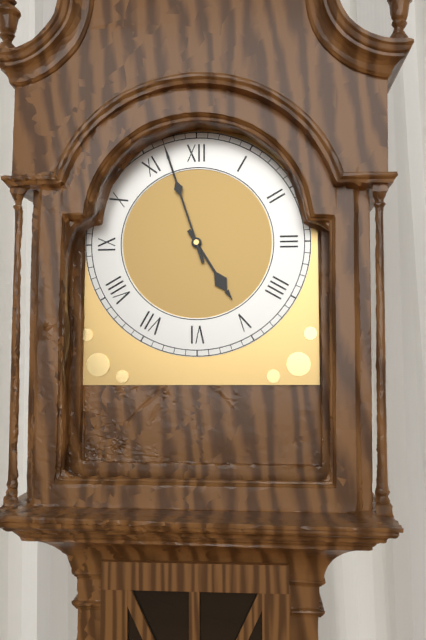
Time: h=4 m=57
